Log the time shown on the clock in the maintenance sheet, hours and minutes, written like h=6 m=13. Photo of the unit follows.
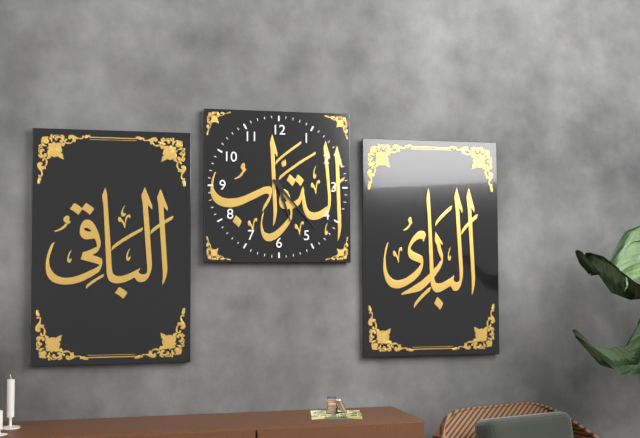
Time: h=5 m=23
